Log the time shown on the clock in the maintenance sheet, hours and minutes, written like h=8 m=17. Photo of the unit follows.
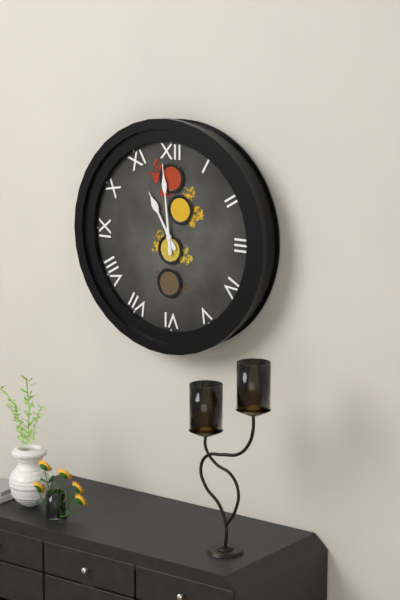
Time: h=10 m=59
